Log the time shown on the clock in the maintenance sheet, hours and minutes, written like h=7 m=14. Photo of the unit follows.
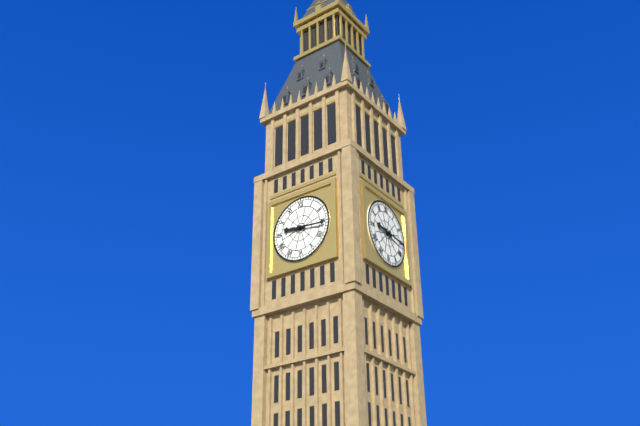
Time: h=9 m=16
